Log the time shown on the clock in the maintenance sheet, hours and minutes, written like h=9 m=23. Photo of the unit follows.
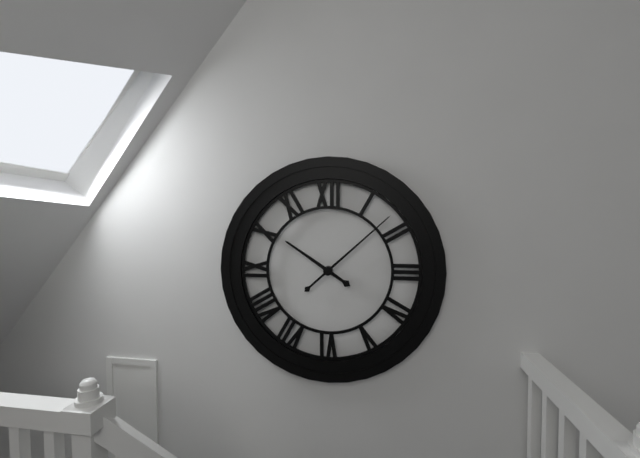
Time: h=10 m=8
